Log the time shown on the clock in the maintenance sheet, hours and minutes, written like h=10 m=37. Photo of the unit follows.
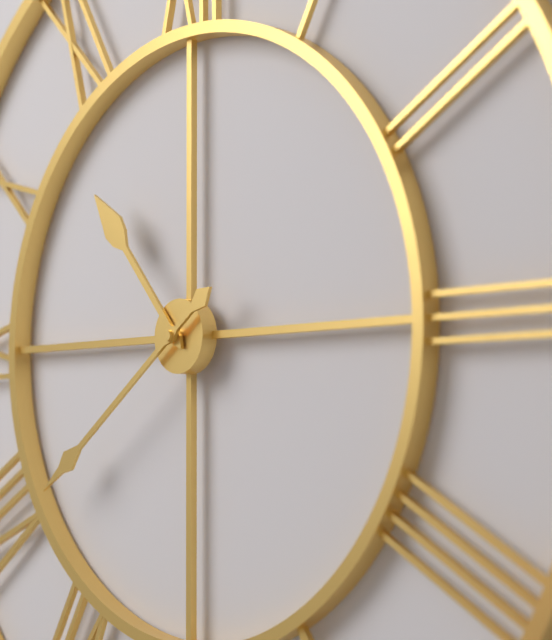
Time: h=10 m=39
